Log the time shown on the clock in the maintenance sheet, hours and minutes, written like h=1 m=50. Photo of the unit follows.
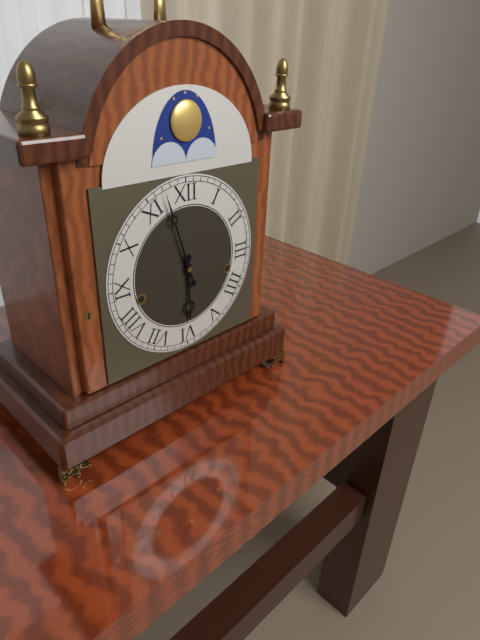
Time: h=5 m=57
